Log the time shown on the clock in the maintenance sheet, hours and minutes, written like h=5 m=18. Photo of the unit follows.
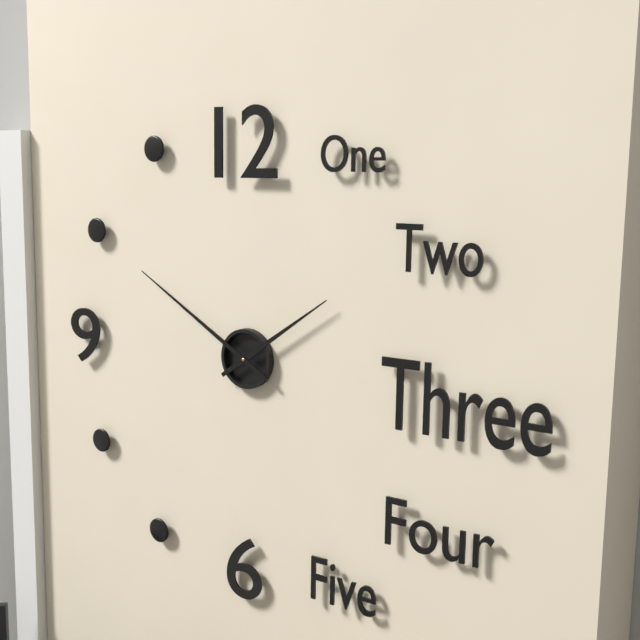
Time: h=1 m=50
